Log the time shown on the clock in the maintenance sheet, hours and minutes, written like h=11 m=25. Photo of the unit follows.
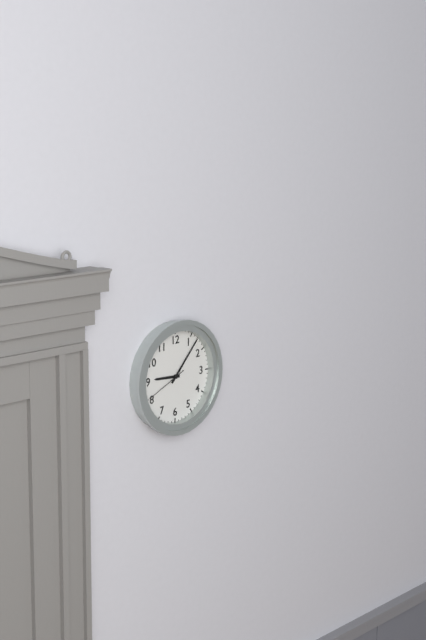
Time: h=9 m=7
